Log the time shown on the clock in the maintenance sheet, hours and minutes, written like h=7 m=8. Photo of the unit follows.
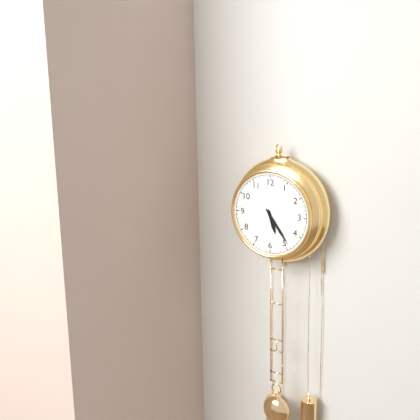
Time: h=5 m=24
